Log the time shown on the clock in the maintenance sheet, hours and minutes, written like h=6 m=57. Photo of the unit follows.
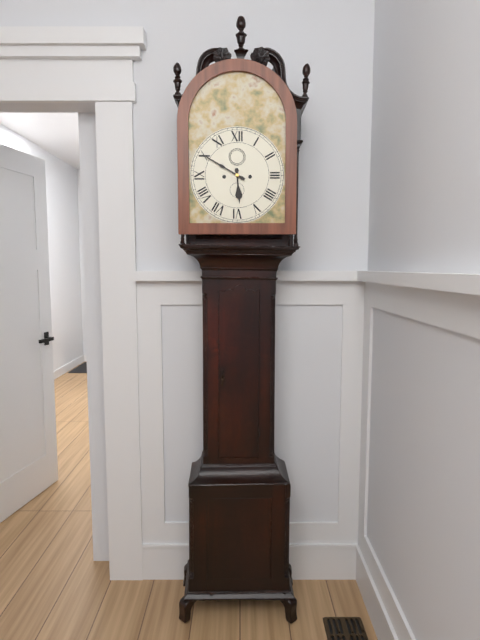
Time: h=5 m=50
